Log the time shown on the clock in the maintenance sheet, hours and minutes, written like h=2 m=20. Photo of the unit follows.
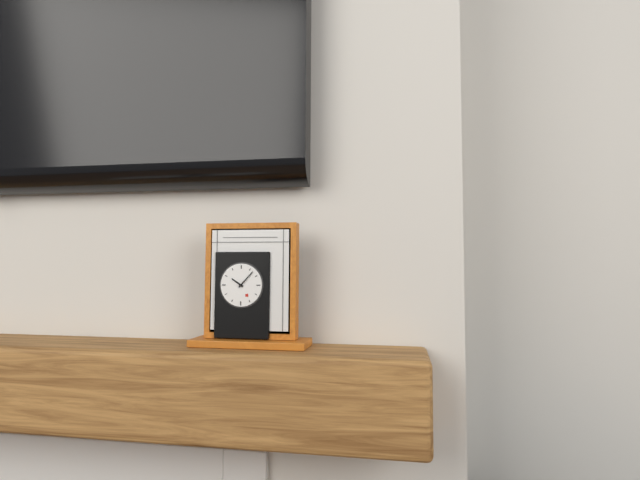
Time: h=10 m=7
